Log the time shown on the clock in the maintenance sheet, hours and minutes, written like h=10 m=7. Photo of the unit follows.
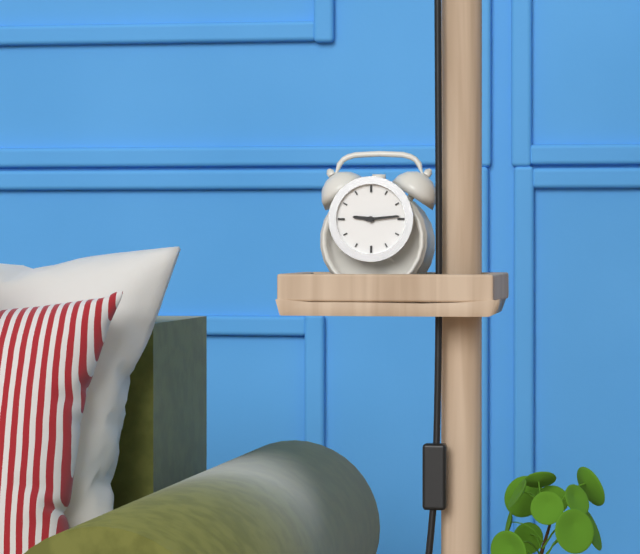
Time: h=9 m=14
